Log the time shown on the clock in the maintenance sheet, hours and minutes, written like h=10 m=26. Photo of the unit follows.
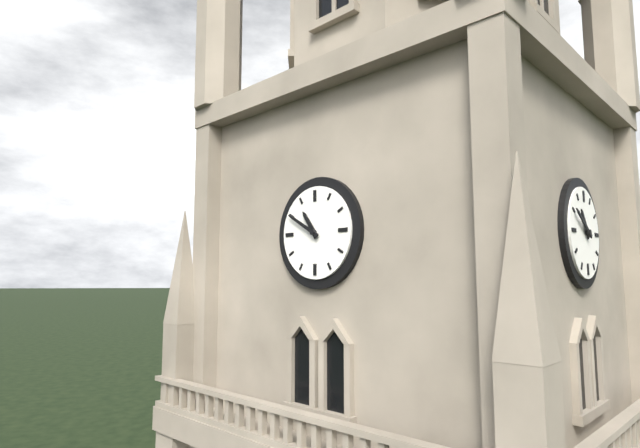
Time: h=10 m=50
